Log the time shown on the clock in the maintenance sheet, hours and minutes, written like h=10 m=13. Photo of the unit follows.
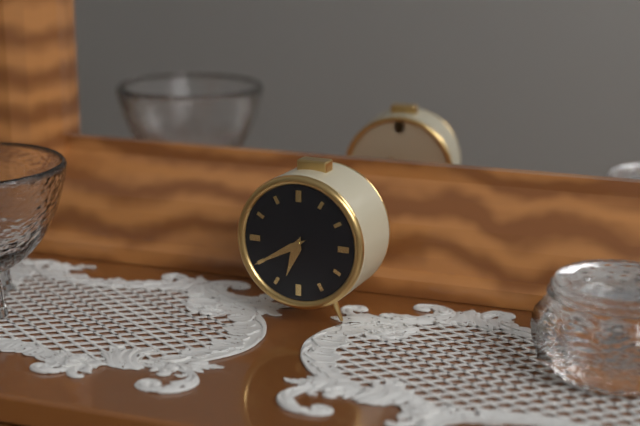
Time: h=6 m=40
